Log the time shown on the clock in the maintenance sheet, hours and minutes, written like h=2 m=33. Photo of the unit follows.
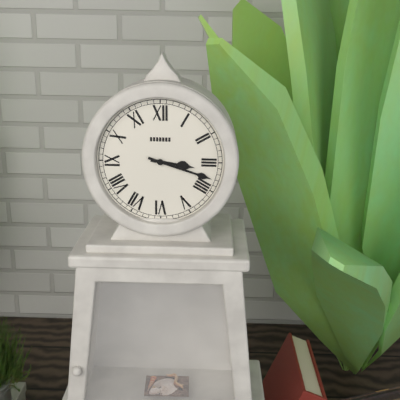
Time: h=3 m=18
